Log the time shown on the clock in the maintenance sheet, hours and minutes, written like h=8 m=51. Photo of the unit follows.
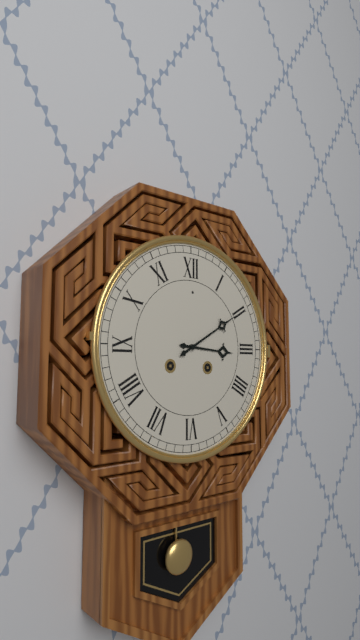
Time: h=3 m=10
